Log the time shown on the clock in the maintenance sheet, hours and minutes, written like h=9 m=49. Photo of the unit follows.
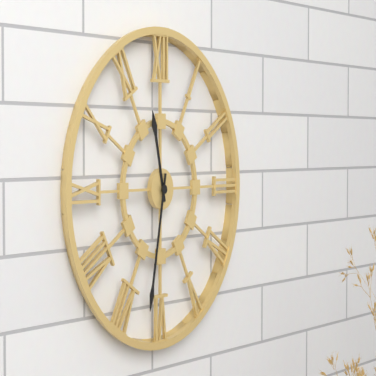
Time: h=11 m=32
